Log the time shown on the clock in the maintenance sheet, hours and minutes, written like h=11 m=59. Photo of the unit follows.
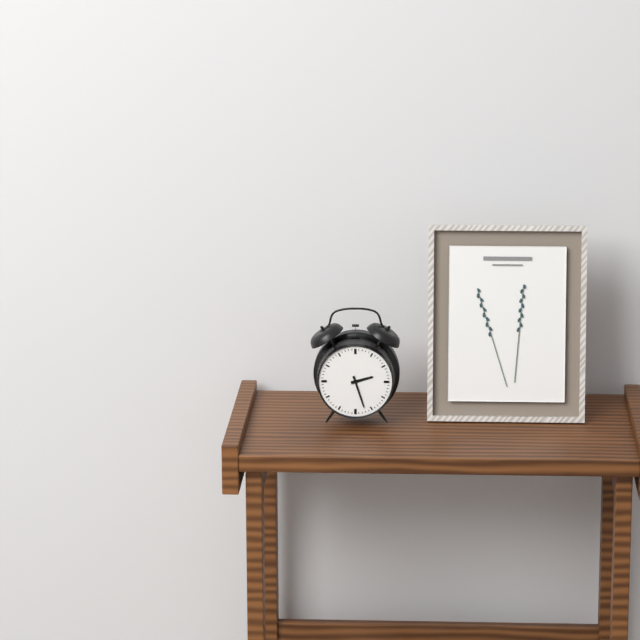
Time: h=2 m=27
